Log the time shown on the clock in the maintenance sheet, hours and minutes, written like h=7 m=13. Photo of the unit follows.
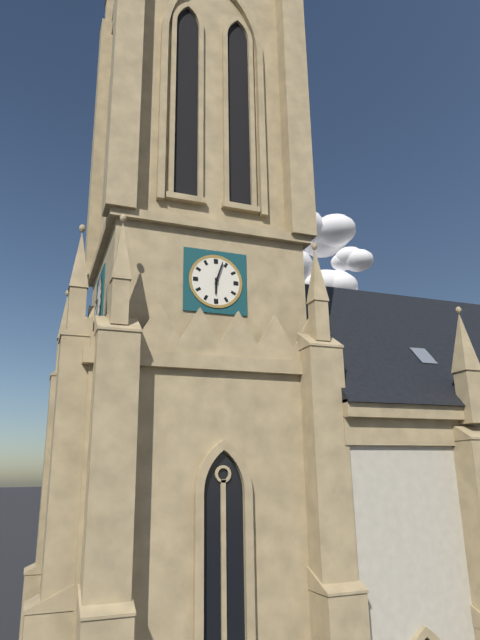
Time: h=6 m=3
